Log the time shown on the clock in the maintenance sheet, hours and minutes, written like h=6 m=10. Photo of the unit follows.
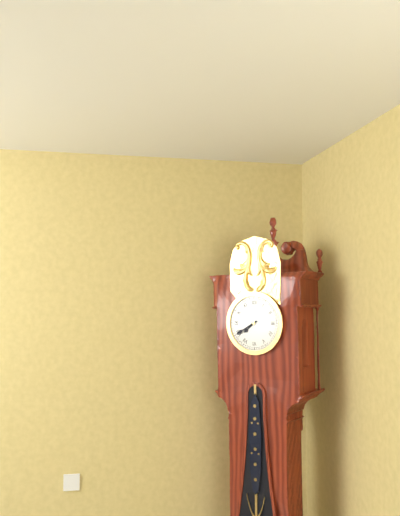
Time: h=7 m=40
